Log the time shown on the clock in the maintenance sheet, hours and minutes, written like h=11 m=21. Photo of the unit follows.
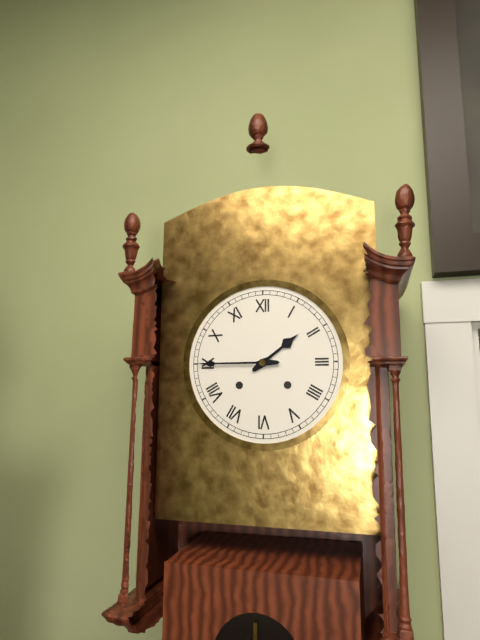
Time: h=1 m=45
